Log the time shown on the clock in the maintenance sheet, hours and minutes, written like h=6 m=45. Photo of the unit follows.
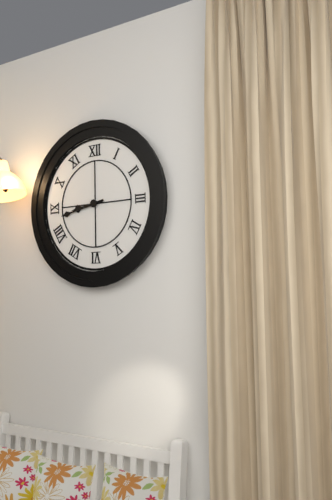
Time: h=8 m=43
